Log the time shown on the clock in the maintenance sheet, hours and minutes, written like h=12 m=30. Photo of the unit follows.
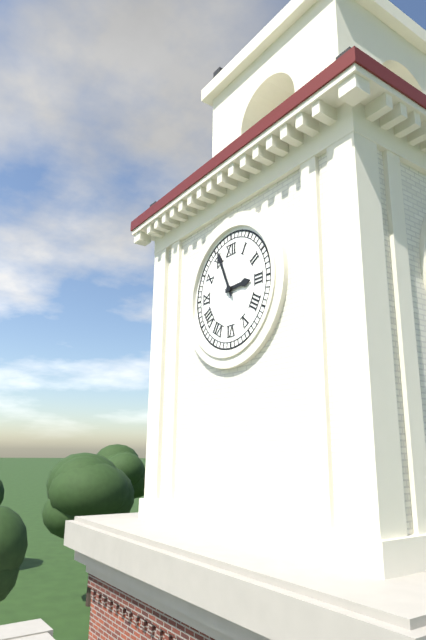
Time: h=2 m=56
